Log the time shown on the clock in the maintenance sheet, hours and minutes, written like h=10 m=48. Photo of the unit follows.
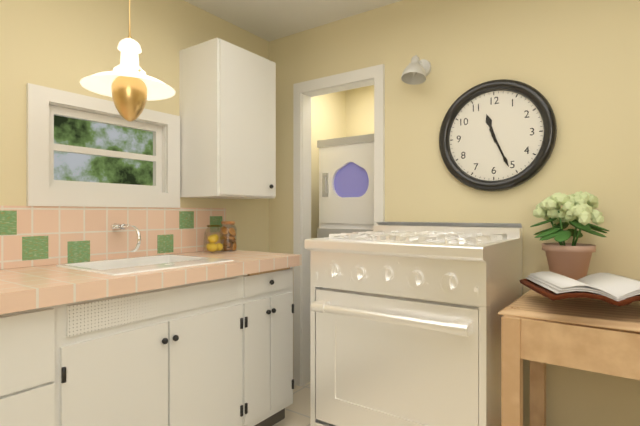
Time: h=11 m=26
